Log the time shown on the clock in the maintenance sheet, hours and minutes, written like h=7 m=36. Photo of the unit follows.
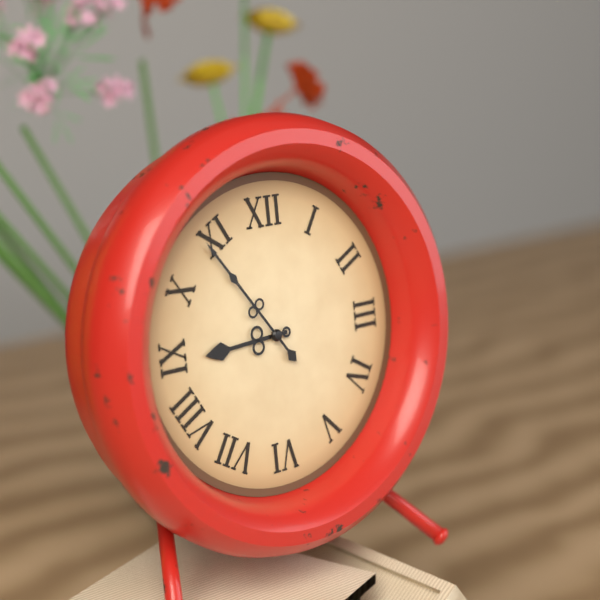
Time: h=8 m=54
